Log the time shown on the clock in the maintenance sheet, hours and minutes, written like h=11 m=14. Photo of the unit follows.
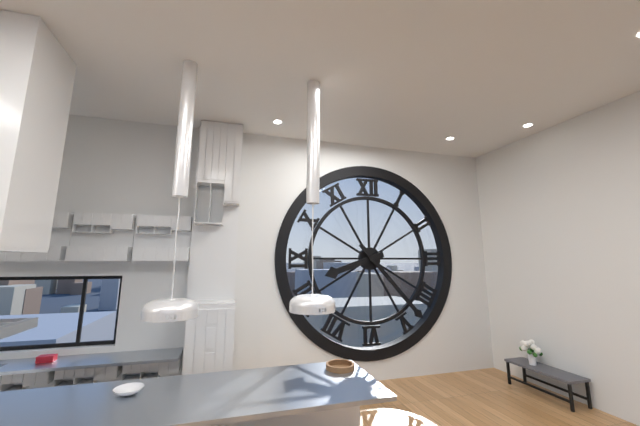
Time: h=8 m=23
